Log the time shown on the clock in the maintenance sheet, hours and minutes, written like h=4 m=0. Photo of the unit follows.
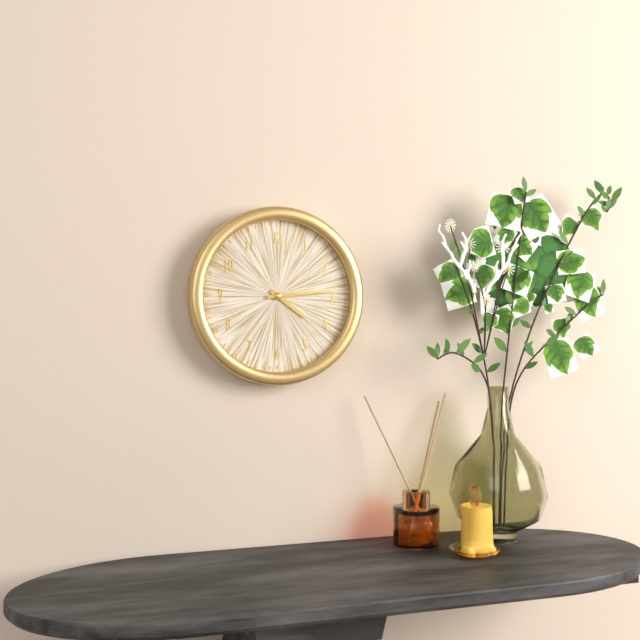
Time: h=4 m=14
